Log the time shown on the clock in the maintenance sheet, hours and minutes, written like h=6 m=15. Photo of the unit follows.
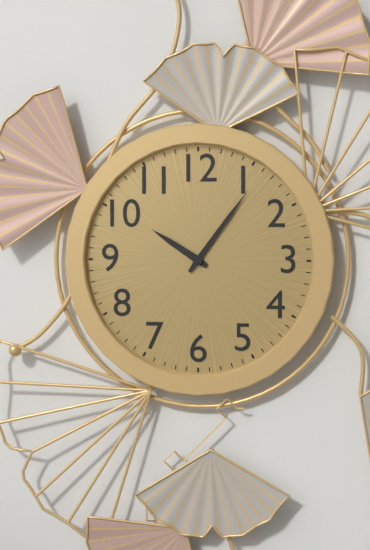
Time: h=10 m=6
